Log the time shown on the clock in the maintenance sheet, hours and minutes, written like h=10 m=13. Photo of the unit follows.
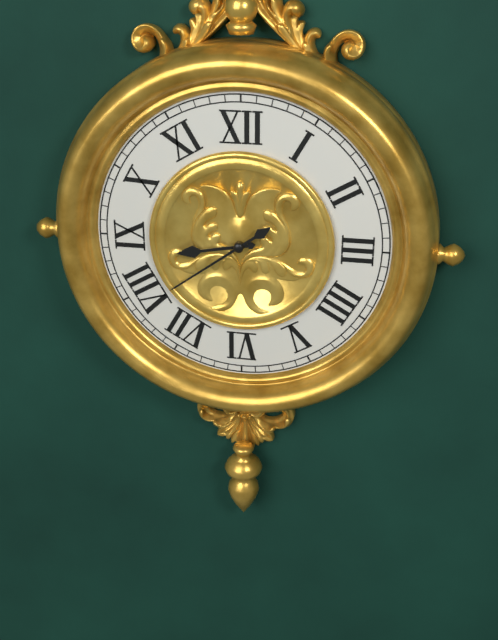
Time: h=8 m=39
